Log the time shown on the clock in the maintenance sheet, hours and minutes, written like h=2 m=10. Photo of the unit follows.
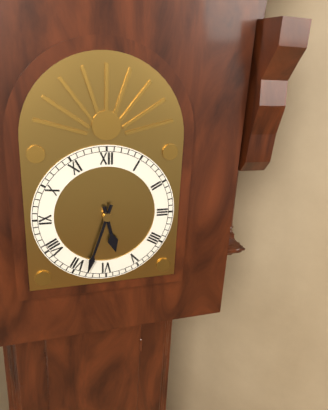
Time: h=5 m=33
